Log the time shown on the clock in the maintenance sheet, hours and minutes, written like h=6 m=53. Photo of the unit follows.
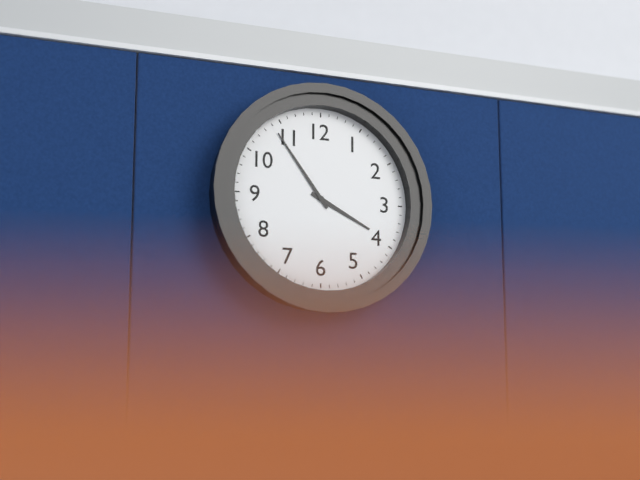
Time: h=3 m=54
